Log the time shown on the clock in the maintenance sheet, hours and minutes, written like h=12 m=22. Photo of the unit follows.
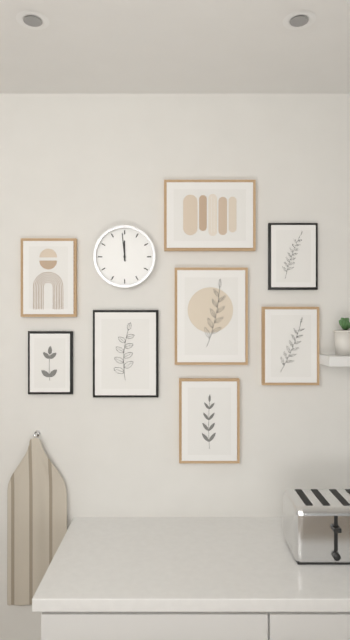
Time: h=11 m=59
